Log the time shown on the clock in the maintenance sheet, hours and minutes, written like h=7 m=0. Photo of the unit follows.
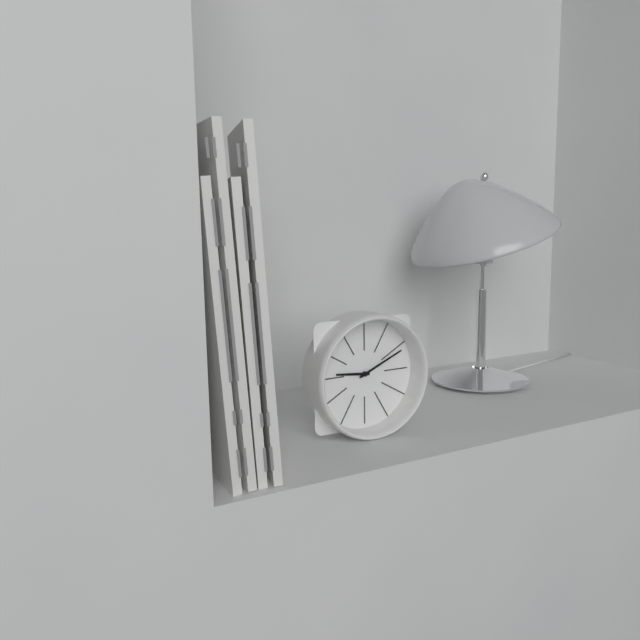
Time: h=9 m=11
